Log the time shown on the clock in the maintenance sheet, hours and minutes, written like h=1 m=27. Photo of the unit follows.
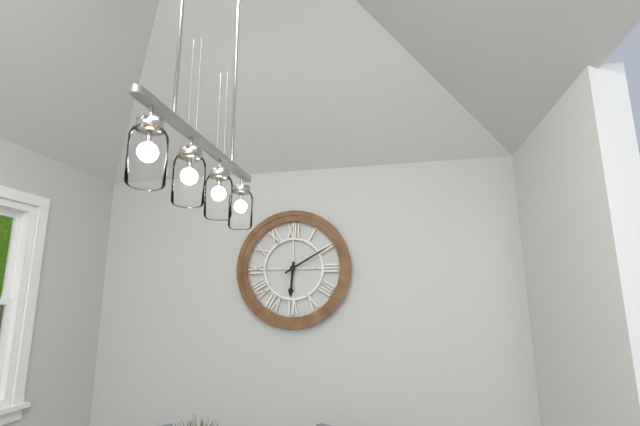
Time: h=6 m=10
